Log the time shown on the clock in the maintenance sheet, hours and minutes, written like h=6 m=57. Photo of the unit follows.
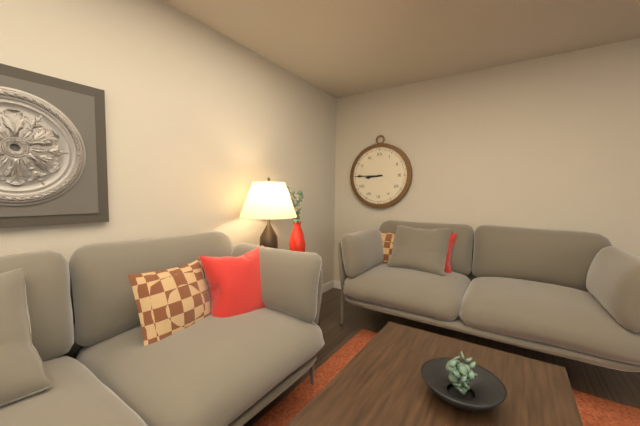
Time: h=8 m=45
